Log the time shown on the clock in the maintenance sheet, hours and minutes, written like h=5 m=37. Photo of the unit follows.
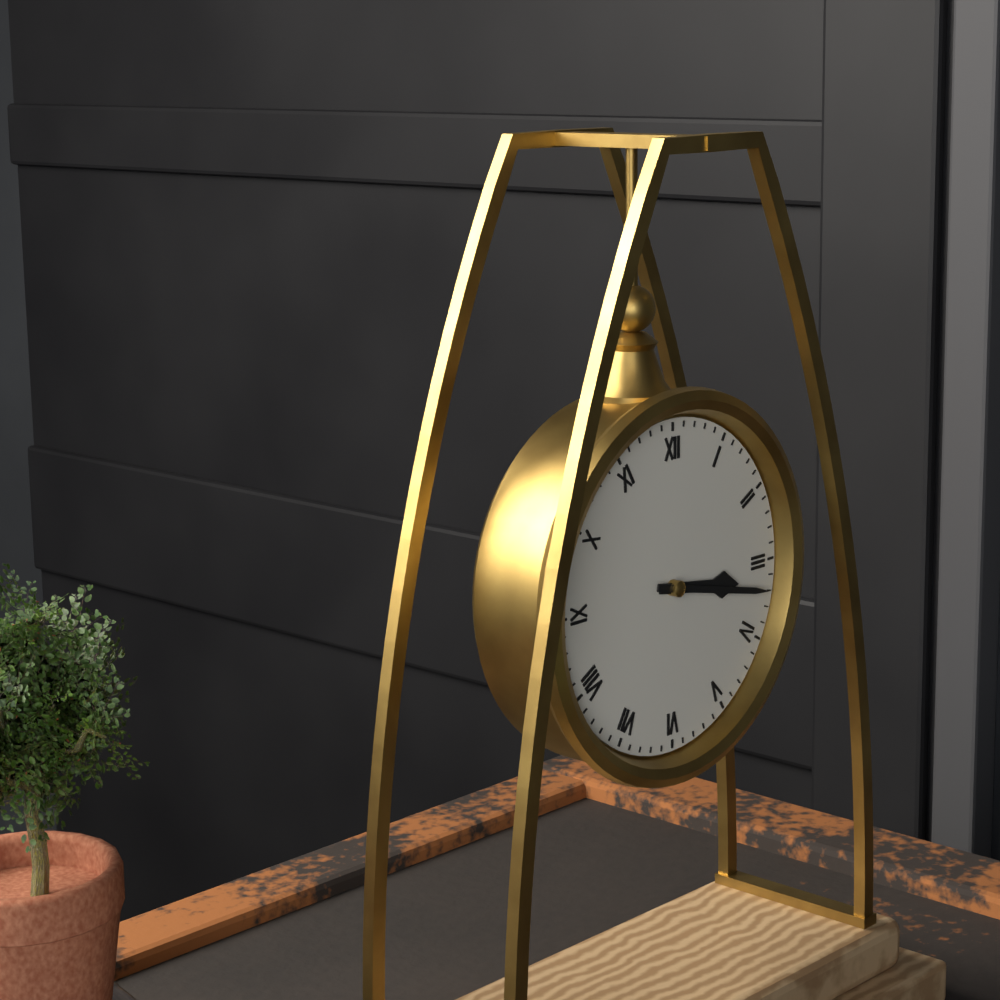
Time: h=3 m=17
